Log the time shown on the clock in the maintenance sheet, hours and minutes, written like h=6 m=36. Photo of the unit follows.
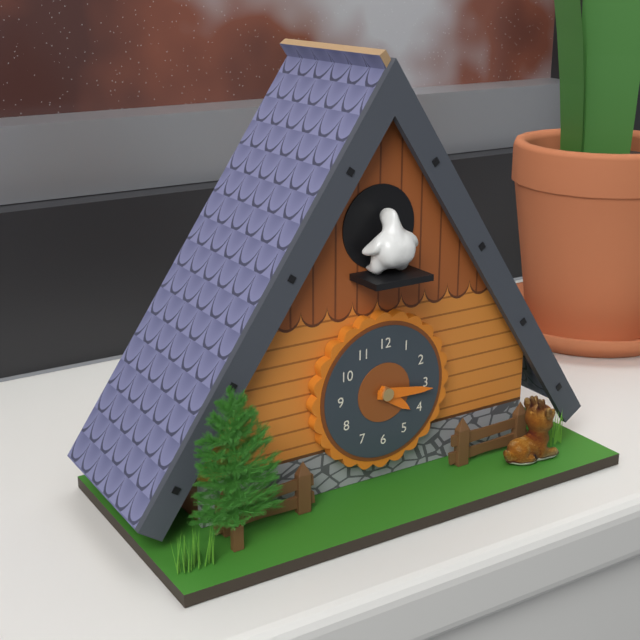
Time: h=4 m=16
